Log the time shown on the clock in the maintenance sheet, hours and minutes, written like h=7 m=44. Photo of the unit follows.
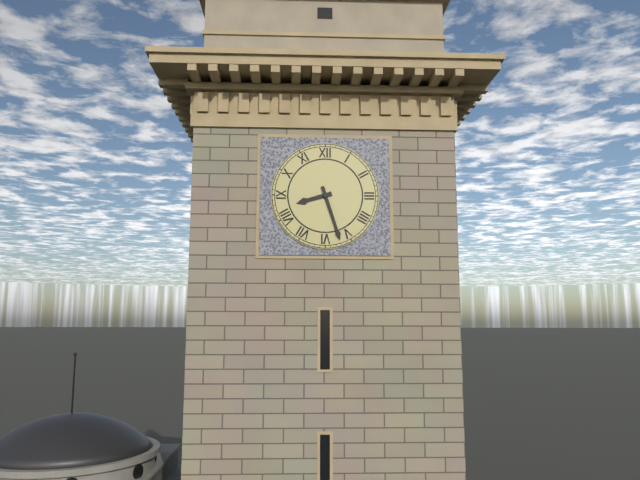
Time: h=8 m=27
